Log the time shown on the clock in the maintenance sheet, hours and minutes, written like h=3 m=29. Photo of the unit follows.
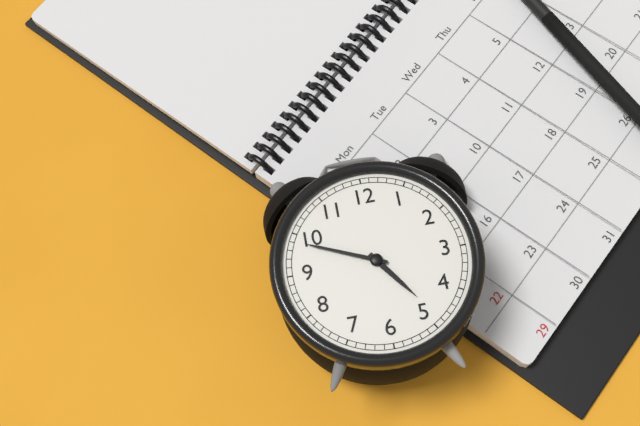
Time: h=4 m=49
